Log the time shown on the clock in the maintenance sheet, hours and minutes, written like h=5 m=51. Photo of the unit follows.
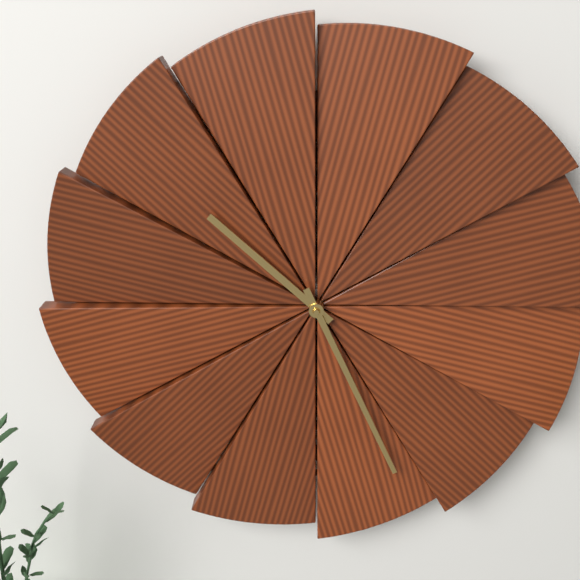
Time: h=10 m=26
